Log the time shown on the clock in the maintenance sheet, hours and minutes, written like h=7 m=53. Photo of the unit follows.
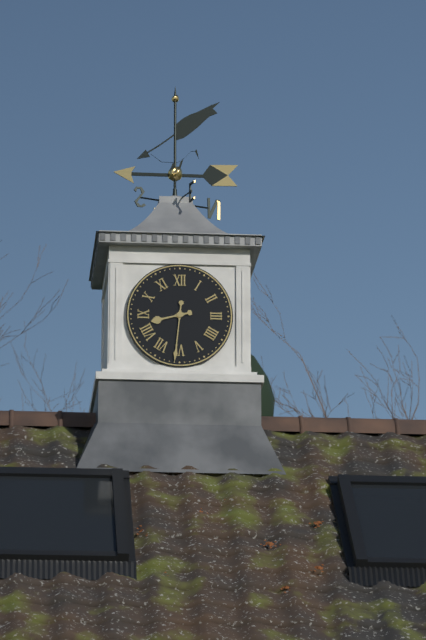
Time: h=8 m=31
